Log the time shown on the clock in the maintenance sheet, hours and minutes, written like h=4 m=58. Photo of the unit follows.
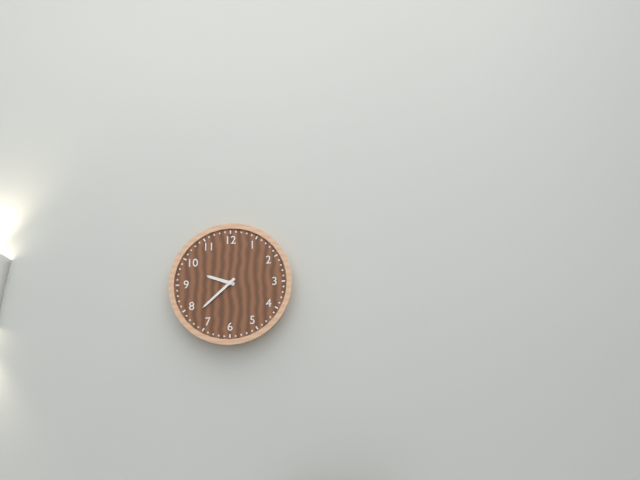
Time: h=9 m=38
